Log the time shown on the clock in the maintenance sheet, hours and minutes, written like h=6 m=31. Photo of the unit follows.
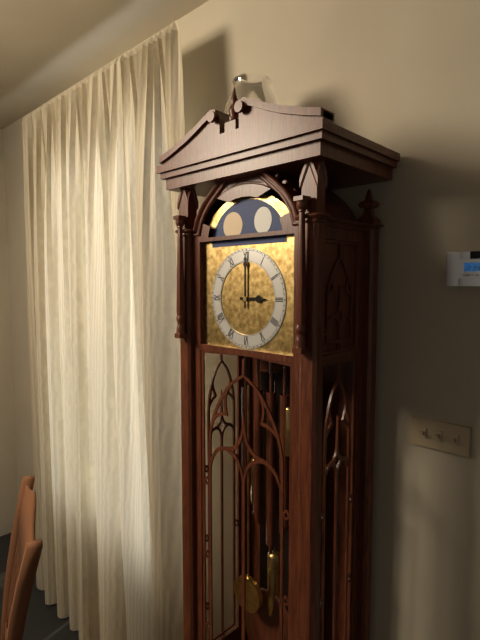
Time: h=3 m=0
